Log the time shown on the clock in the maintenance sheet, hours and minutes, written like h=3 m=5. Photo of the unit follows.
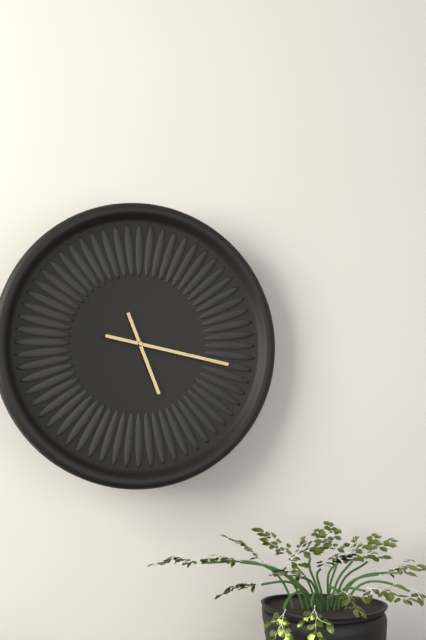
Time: h=5 m=17
